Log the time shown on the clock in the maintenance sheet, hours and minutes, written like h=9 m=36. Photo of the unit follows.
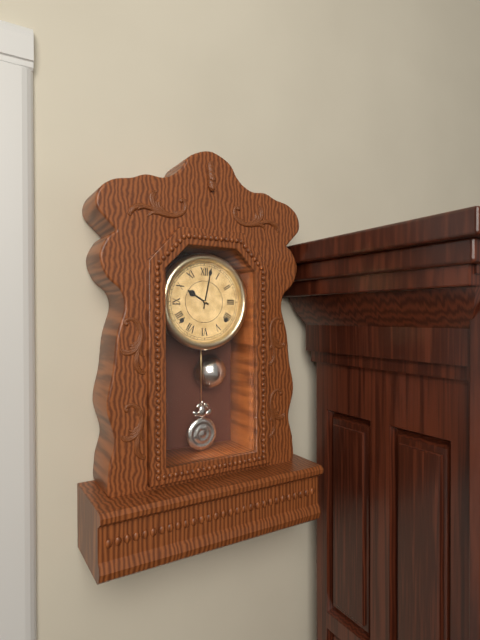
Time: h=10 m=2
